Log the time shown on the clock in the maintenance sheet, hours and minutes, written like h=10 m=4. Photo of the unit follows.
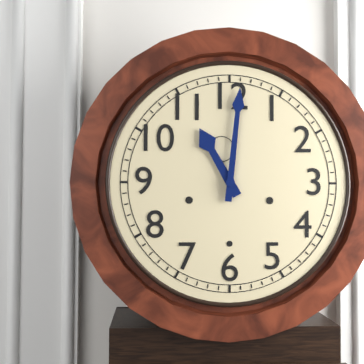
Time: h=11 m=1
